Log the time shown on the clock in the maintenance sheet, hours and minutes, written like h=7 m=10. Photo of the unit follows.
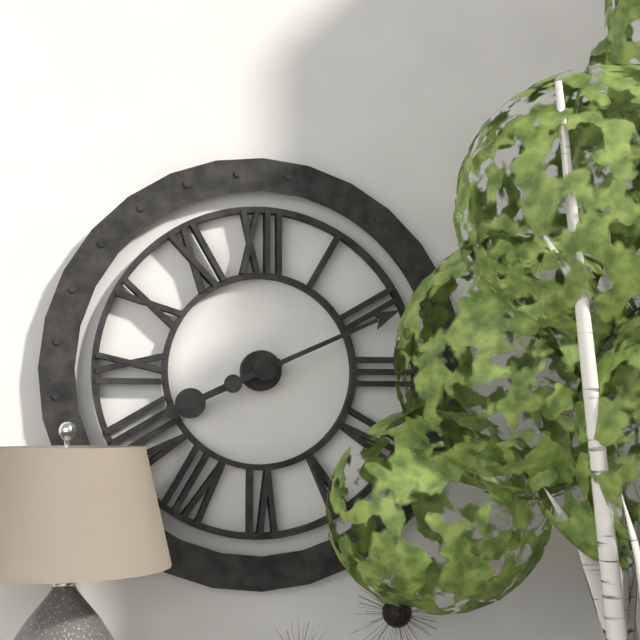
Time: h=8 m=11
